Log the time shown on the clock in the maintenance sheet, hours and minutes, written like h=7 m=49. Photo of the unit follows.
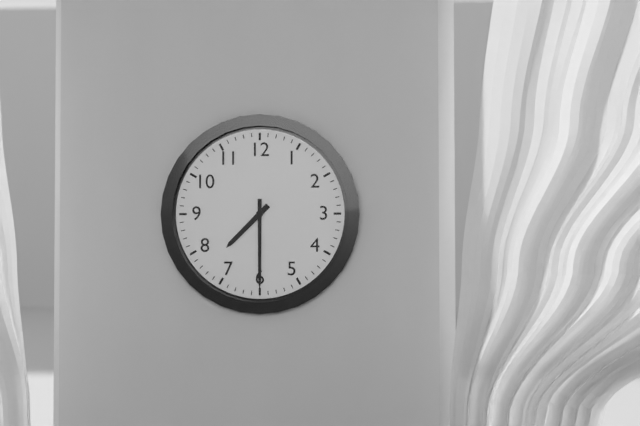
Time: h=7 m=30
